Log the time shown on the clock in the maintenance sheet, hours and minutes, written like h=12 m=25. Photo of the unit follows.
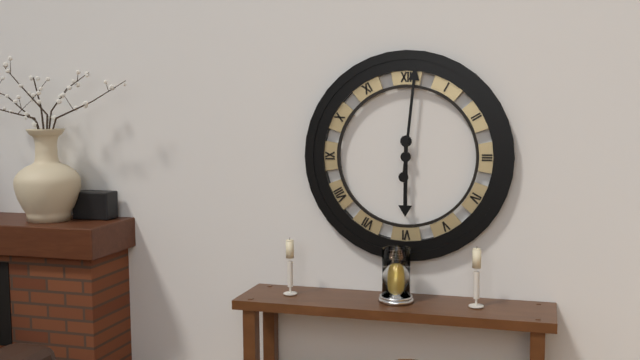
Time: h=6 m=1
